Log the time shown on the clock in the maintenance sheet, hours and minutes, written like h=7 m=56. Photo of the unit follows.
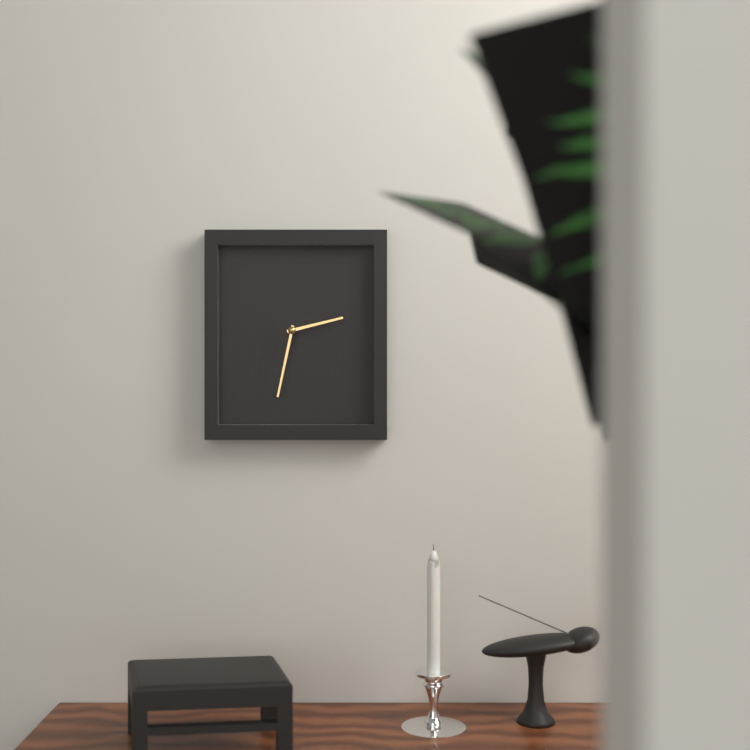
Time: h=2 m=32
